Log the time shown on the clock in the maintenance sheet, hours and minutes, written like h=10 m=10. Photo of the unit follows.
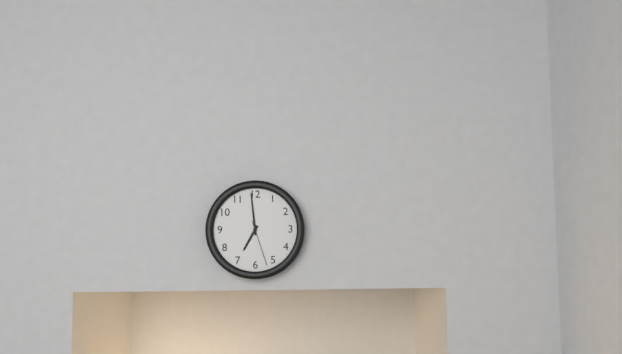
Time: h=6 m=59
